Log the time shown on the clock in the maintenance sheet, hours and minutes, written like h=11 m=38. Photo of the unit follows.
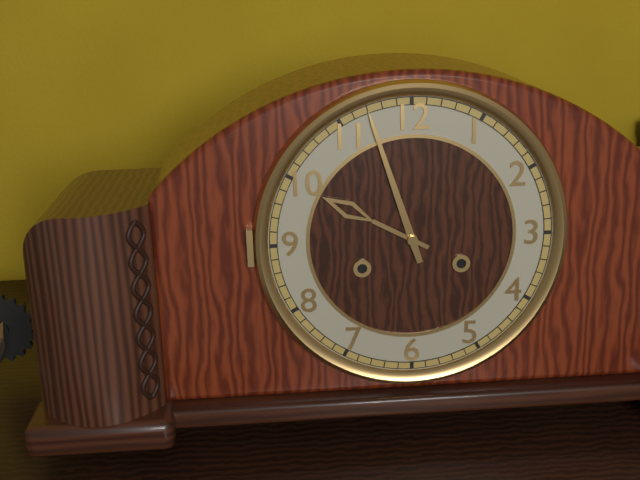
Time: h=9 m=57
